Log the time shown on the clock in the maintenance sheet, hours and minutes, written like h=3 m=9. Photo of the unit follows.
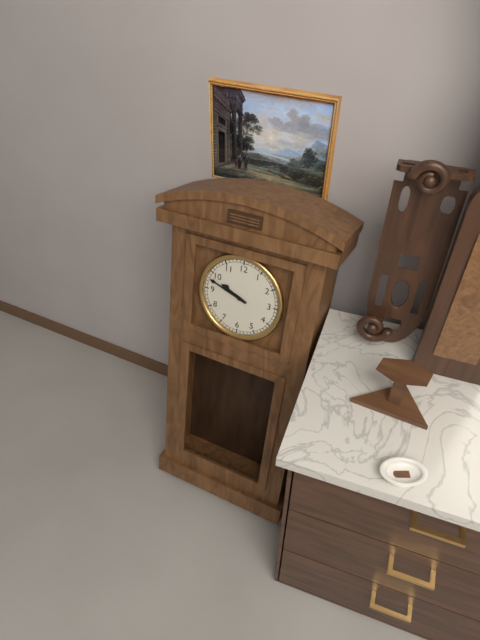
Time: h=9 m=48
